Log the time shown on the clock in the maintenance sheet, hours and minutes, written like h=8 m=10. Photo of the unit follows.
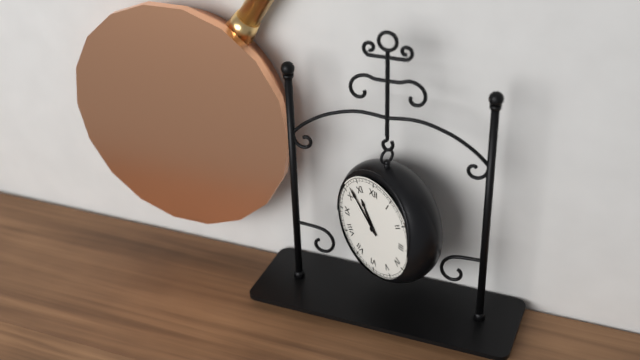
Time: h=10 m=52
